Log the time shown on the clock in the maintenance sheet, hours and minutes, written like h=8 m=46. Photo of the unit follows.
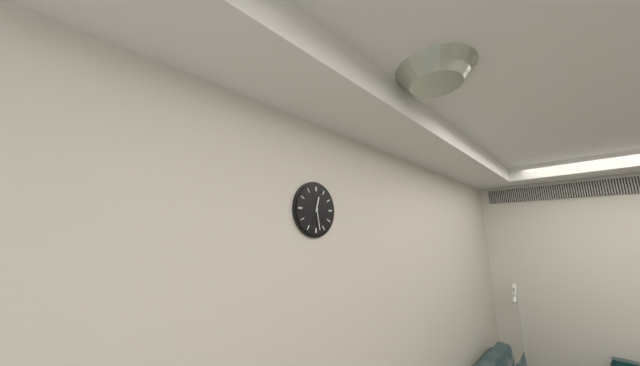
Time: h=12 m=28
